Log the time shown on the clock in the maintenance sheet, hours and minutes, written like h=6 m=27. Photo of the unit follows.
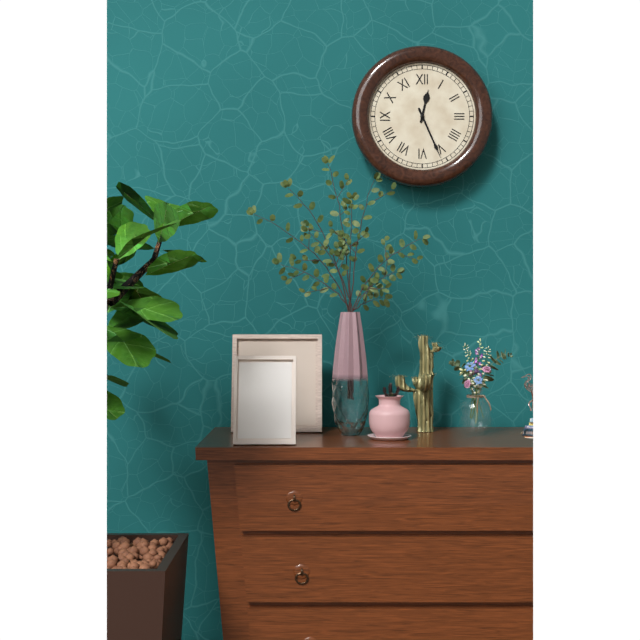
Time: h=12 m=26
